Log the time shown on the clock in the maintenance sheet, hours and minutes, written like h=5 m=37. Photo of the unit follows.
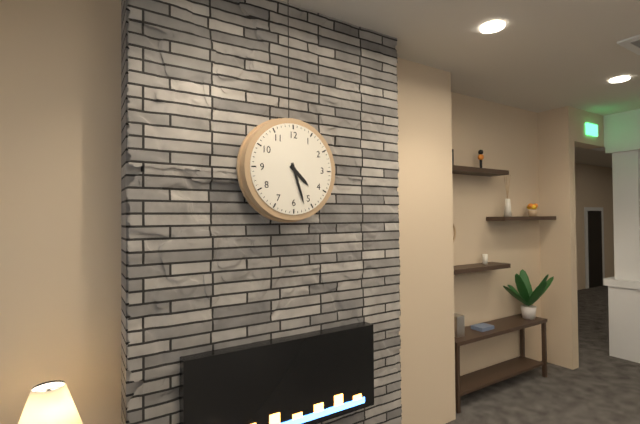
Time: h=4 m=27
